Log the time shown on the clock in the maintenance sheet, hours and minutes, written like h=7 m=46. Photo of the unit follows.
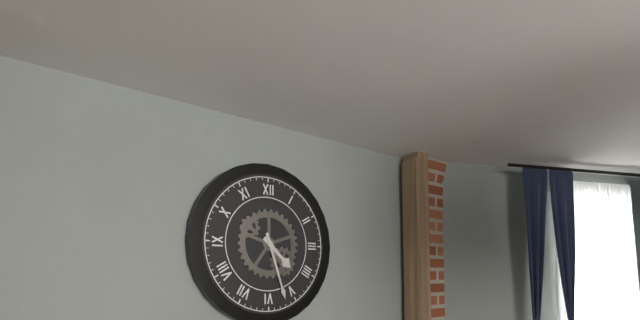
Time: h=4 m=27
